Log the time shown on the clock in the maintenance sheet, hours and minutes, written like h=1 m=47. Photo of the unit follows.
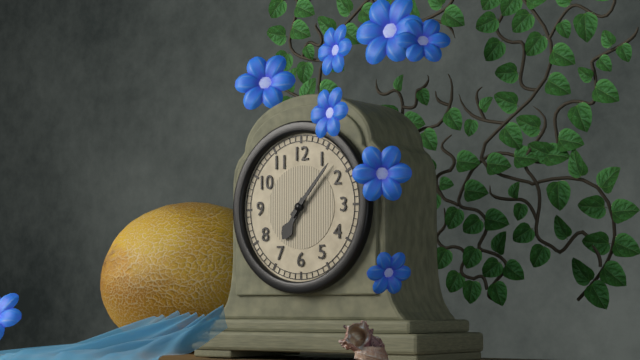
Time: h=7 m=7
